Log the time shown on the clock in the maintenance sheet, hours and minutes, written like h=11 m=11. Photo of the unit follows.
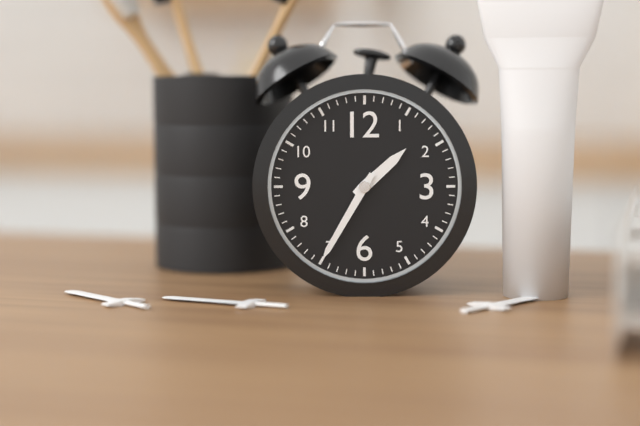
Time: h=1 m=35
